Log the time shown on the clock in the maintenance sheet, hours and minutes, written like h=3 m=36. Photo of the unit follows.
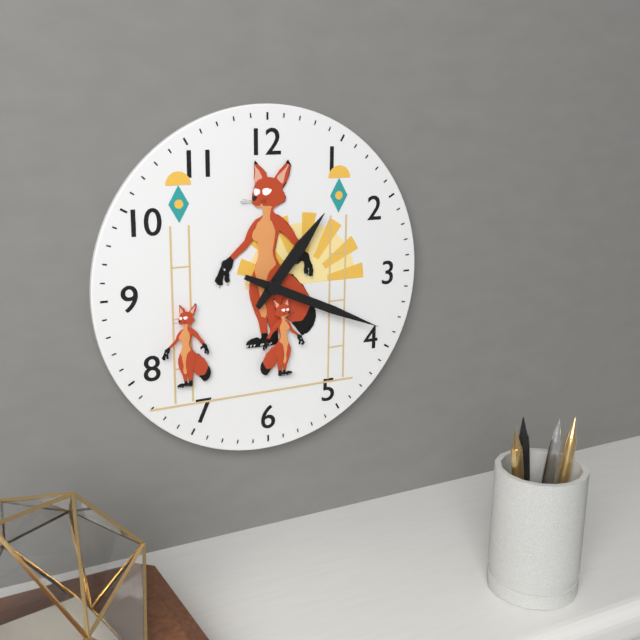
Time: h=1 m=19
